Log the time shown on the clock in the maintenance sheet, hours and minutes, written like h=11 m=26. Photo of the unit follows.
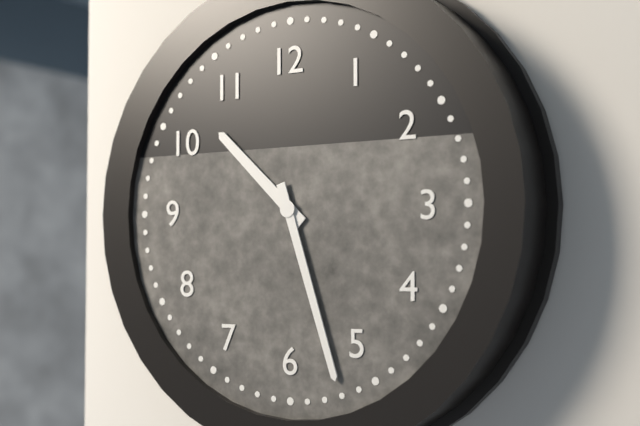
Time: h=10 m=27
